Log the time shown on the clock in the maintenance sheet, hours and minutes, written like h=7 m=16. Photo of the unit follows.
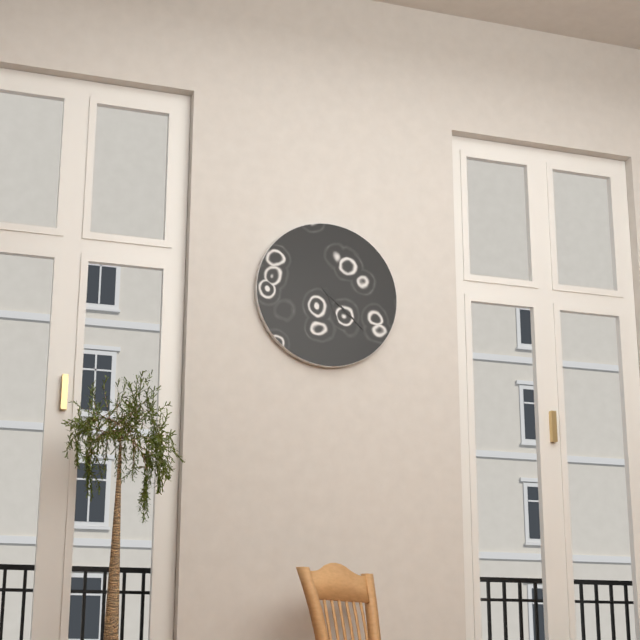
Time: h=5 m=22
